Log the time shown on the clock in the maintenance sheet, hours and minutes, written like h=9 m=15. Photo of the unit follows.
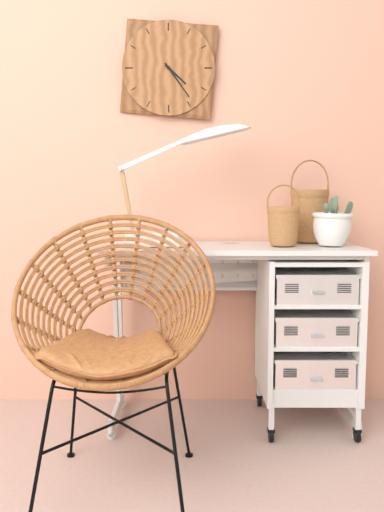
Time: h=4 m=24
